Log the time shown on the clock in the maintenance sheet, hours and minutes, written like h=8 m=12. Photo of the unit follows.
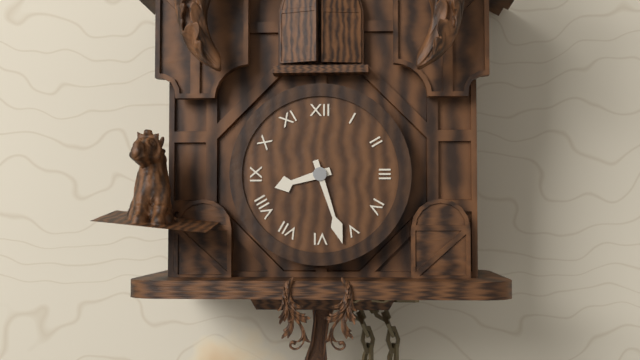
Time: h=8 m=27
